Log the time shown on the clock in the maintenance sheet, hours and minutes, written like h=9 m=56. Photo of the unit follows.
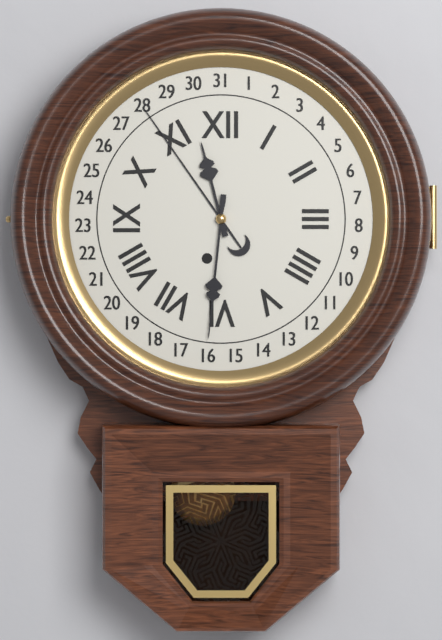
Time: h=11 m=31
